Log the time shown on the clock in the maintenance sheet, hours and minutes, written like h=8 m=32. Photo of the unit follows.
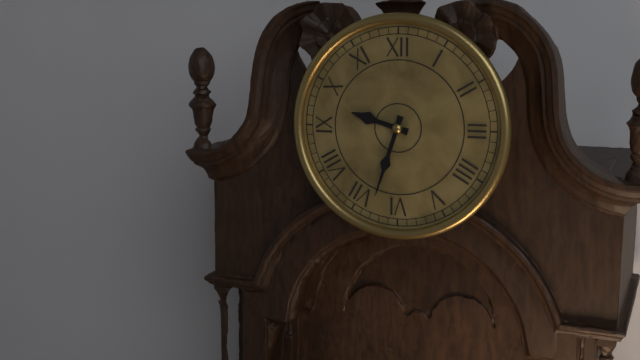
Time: h=9 m=33
